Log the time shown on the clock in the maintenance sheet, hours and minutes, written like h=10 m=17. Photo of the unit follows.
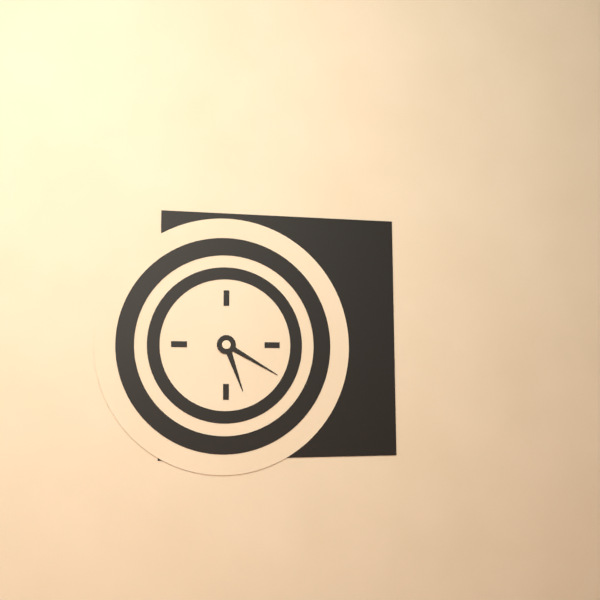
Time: h=5 m=20
